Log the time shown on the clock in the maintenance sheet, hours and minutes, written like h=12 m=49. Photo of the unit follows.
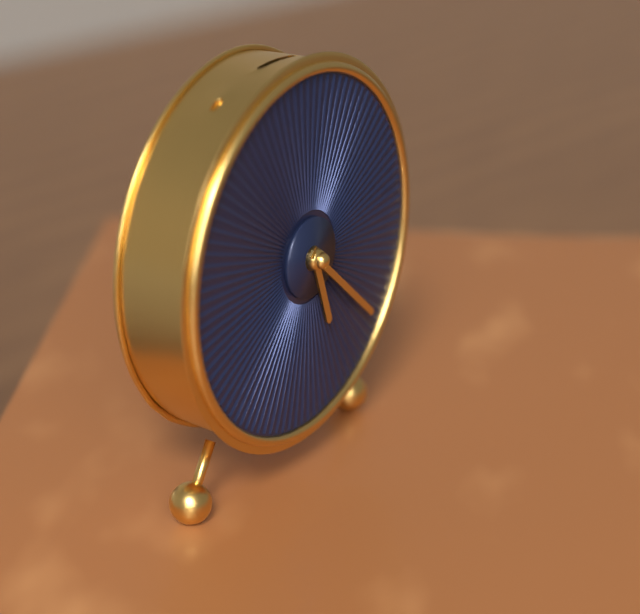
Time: h=5 m=22
